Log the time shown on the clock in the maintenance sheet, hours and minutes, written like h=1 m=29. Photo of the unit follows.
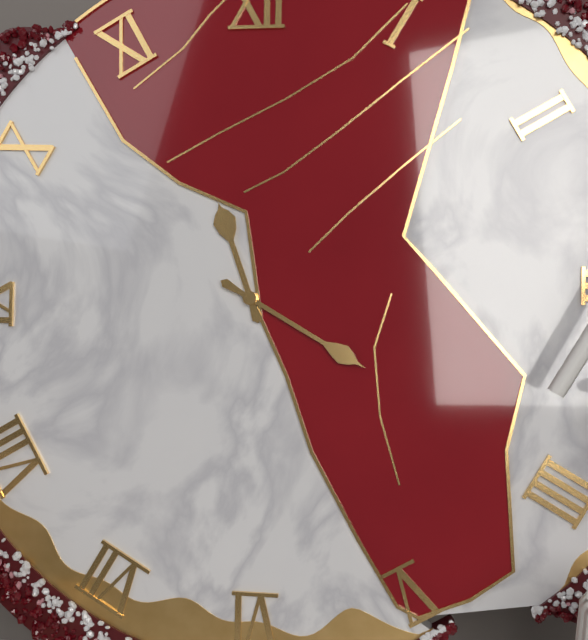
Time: h=11 m=20
